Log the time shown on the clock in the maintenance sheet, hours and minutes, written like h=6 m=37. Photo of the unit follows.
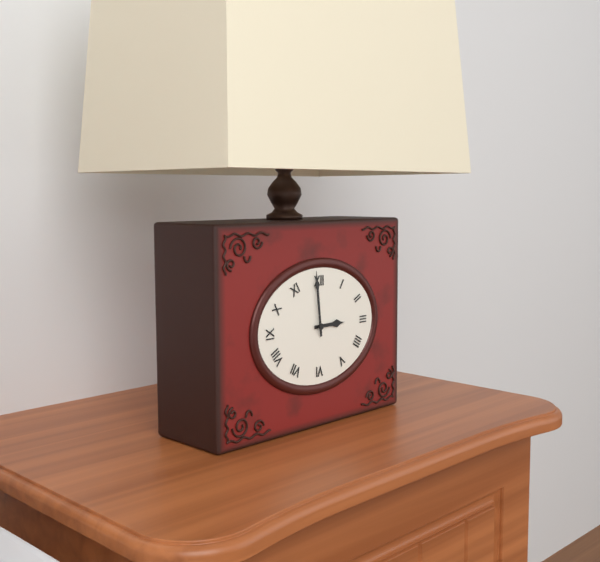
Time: h=2 m=59
